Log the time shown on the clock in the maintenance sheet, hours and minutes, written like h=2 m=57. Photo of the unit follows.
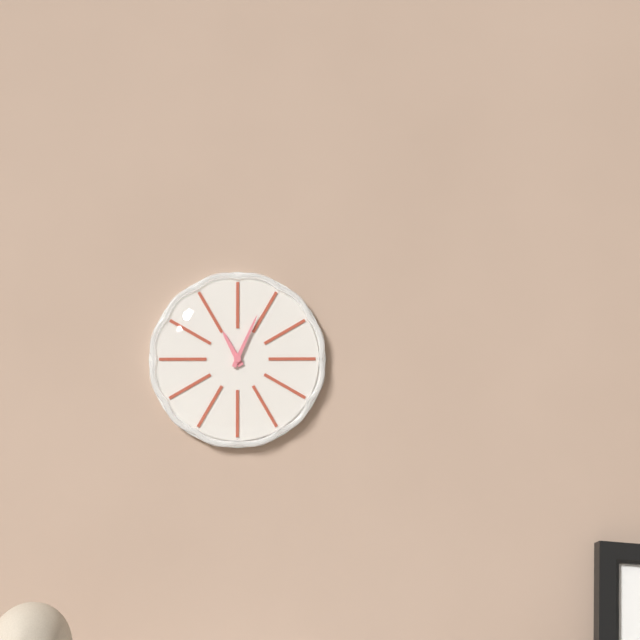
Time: h=11 m=4
